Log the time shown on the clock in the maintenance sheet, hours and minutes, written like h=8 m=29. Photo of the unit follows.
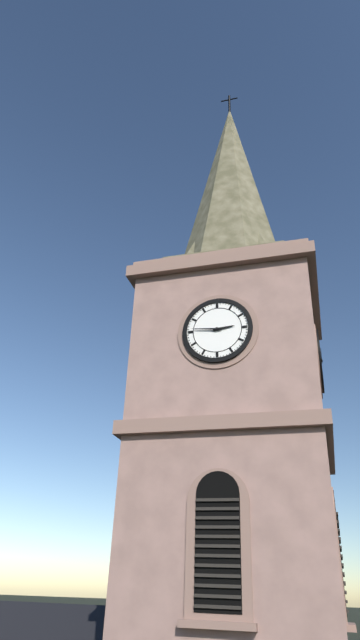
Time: h=2 m=46
